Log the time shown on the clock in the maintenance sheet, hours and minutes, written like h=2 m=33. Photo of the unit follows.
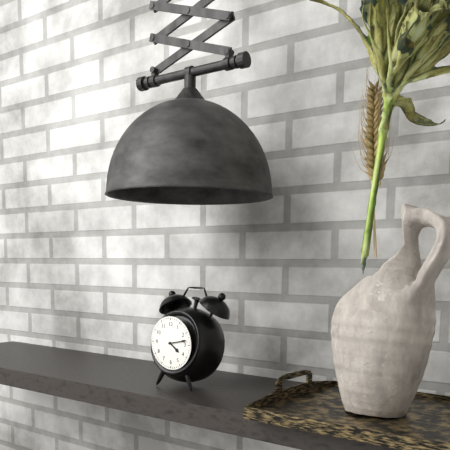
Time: h=4 m=13
